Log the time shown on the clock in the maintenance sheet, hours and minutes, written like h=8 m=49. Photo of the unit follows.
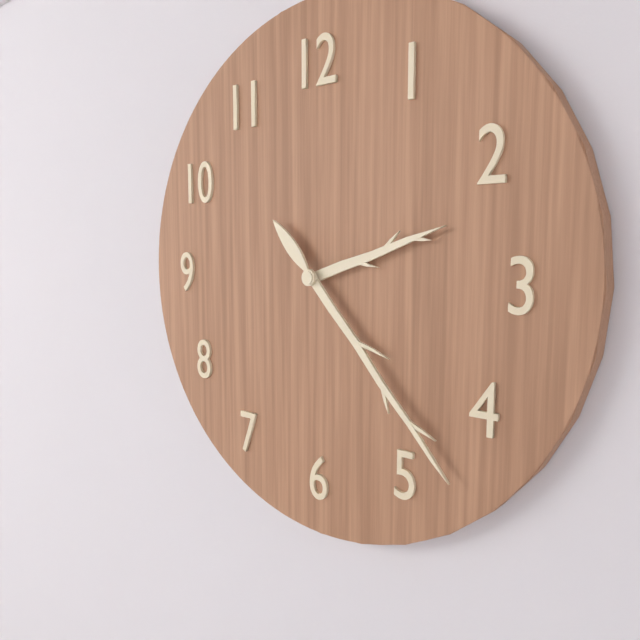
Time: h=2 m=23
